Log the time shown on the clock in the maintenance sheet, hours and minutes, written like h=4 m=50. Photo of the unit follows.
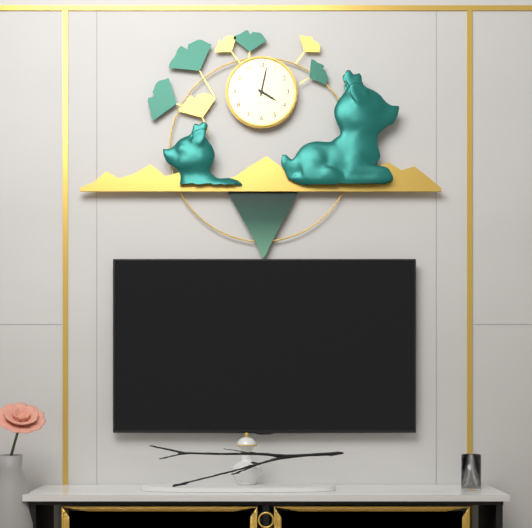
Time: h=4 m=2
